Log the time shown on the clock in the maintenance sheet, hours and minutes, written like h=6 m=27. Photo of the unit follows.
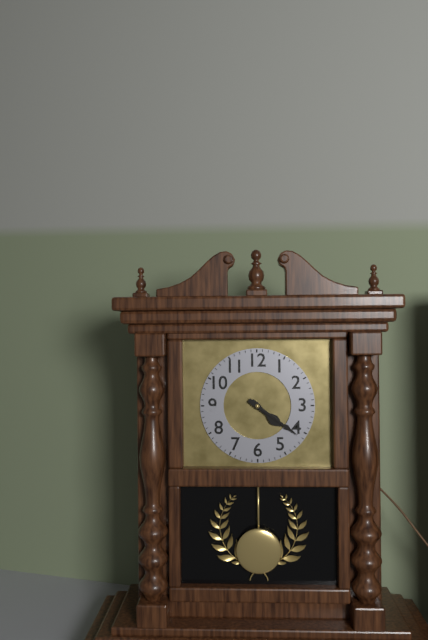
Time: h=4 m=21
